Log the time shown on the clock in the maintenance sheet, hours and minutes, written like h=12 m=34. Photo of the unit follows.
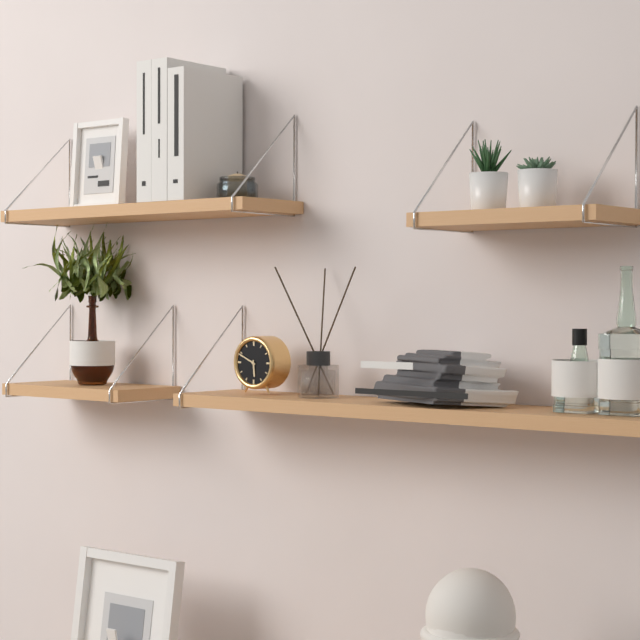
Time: h=5 m=49
